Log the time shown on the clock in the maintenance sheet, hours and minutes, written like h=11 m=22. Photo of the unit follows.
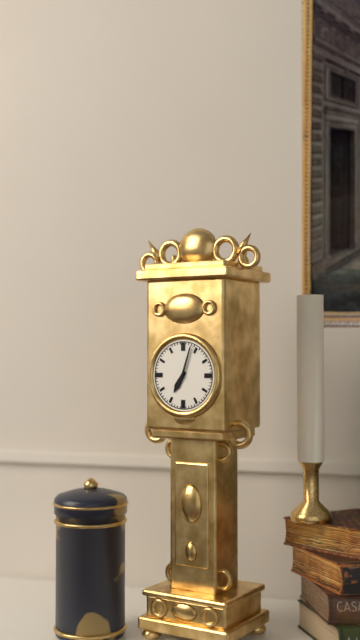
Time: h=7 m=3
